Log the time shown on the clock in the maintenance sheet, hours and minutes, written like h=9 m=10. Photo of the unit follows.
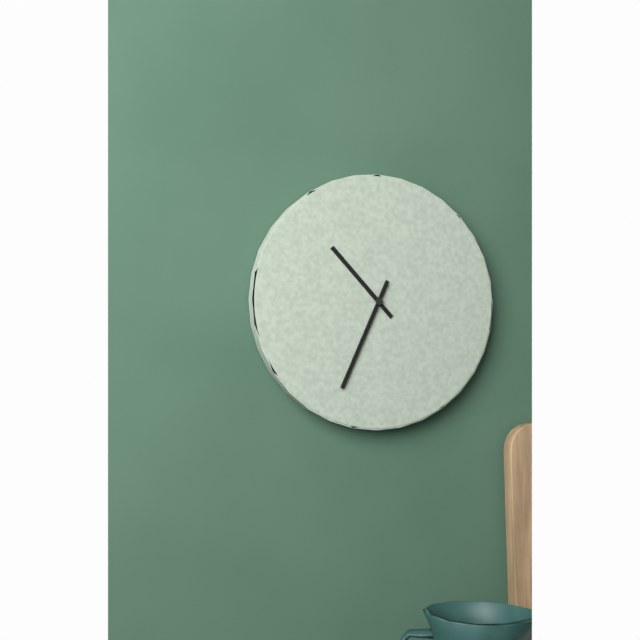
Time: h=10 m=34
